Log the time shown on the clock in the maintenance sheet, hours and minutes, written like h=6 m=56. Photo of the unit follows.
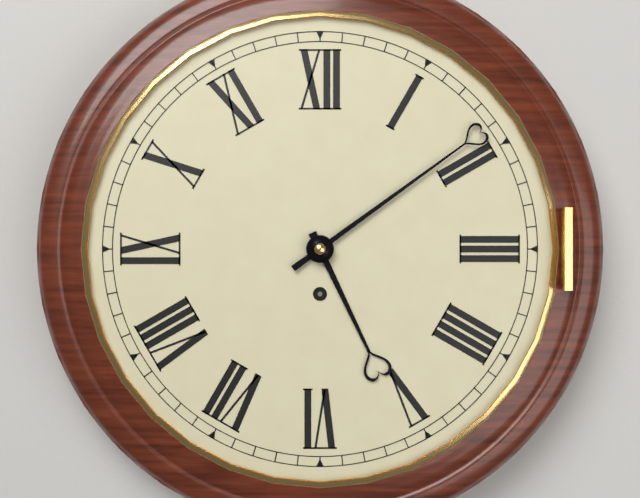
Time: h=5 m=9
